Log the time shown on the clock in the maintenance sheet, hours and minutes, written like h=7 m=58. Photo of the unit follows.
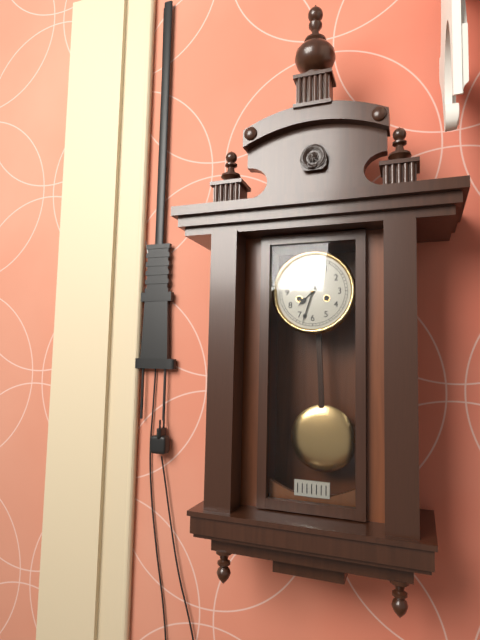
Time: h=7 m=33
